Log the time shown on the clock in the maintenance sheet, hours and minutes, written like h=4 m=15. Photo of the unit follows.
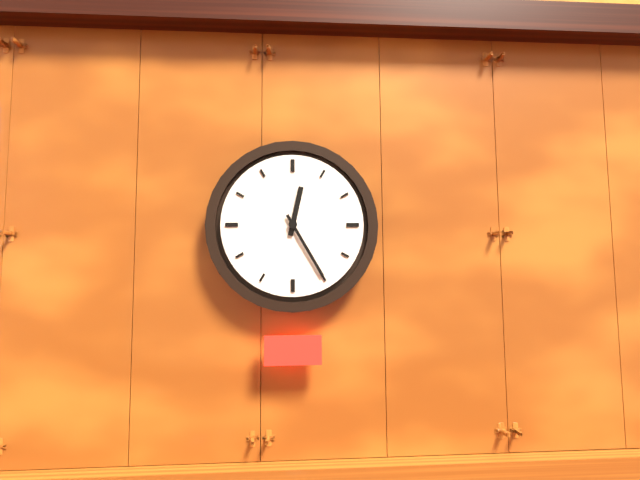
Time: h=12 m=25
